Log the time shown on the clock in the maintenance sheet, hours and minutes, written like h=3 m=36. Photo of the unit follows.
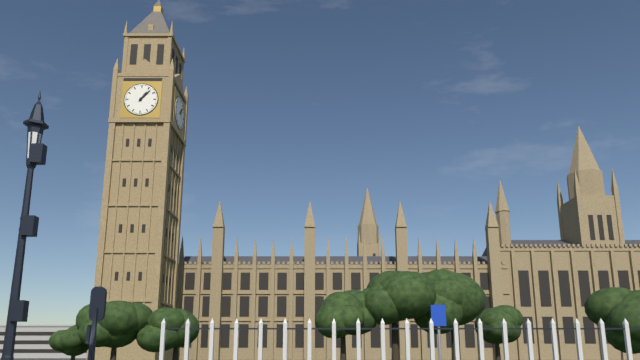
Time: h=1 m=7
